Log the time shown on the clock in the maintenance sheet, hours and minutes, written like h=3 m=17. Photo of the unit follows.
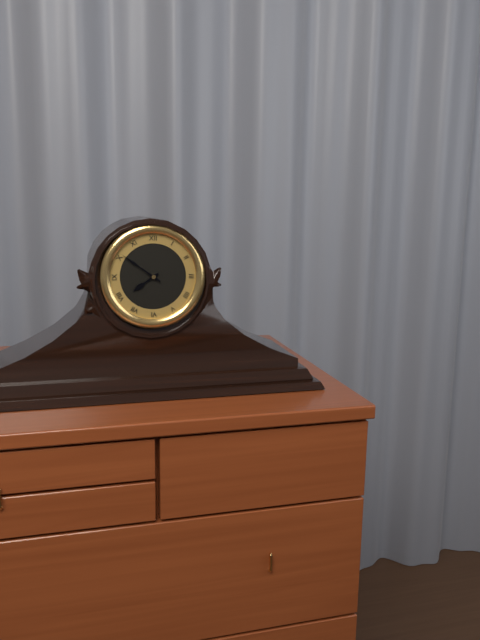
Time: h=7 m=51
